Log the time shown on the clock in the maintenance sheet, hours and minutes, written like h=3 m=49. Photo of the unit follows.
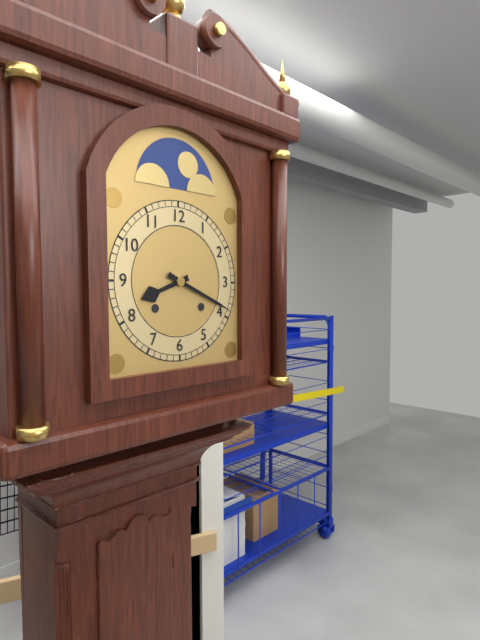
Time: h=8 m=19
